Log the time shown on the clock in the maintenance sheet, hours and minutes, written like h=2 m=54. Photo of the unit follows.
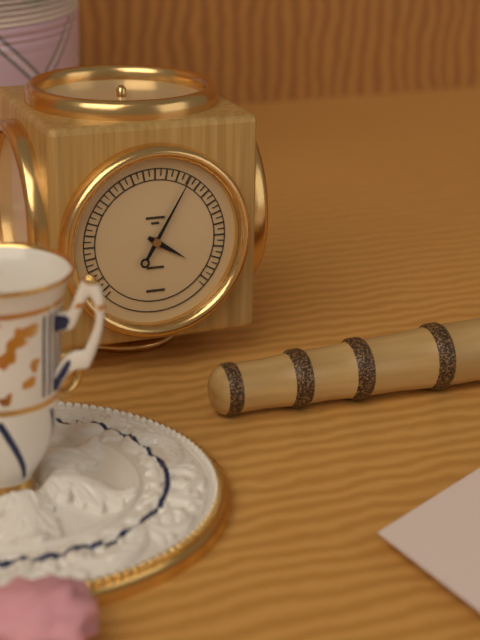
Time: h=4 m=5
